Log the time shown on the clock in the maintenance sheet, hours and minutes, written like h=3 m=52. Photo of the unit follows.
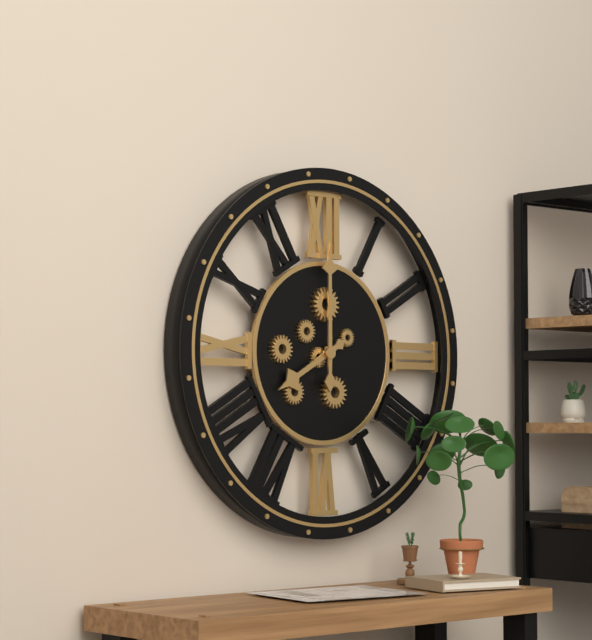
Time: h=8 m=0
